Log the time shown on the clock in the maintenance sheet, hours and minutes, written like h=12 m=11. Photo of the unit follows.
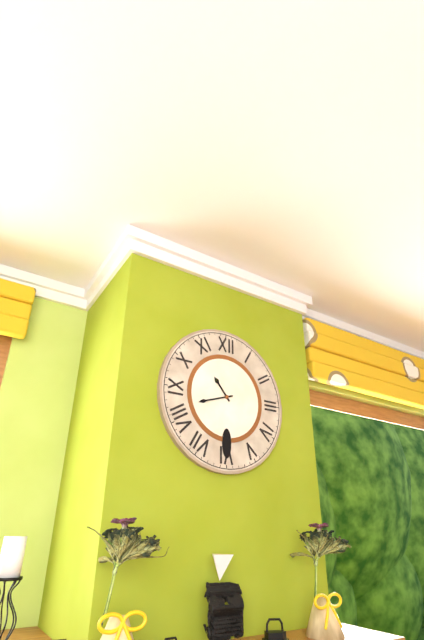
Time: h=10 m=42
